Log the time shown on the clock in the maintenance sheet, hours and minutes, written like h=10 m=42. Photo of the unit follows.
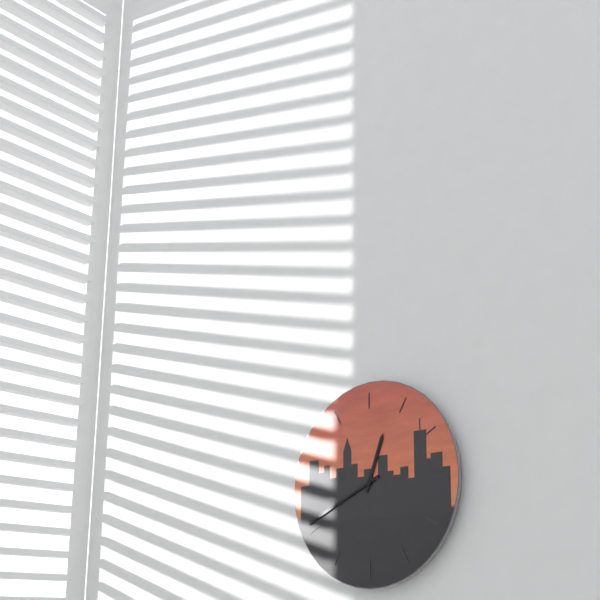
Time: h=12 m=41
